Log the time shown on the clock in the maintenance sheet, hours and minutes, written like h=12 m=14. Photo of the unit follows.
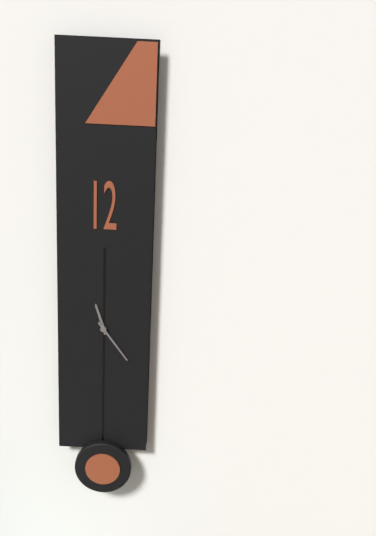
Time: h=11 m=24
